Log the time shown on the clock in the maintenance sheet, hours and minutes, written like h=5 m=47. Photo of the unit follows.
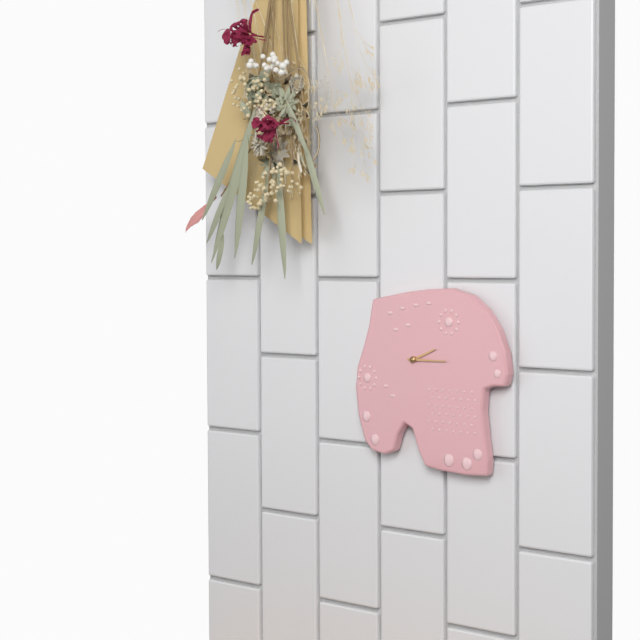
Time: h=2 m=15
